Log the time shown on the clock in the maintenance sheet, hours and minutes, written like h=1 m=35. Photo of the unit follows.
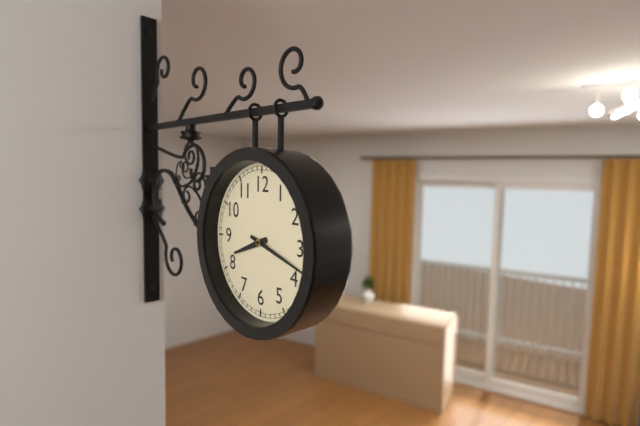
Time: h=8 m=18
